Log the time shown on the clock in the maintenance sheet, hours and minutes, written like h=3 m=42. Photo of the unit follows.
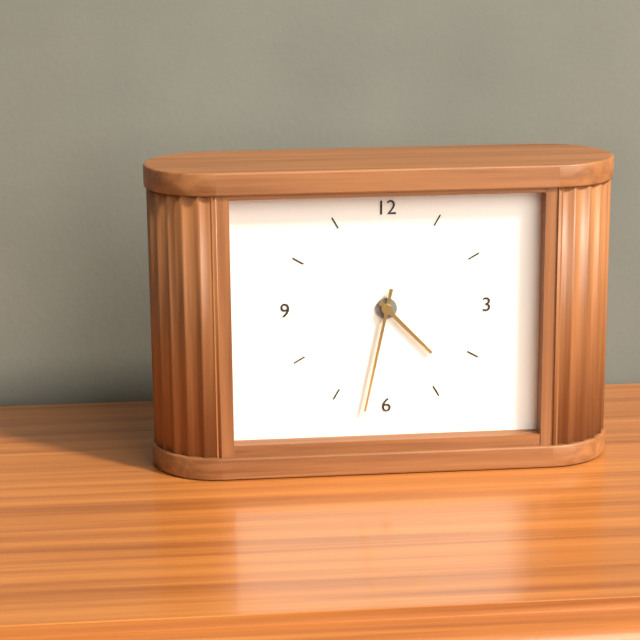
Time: h=4 m=32
